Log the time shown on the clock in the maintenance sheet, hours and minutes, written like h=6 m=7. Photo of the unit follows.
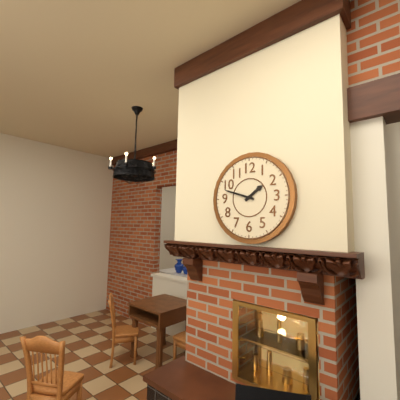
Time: h=1 m=48
